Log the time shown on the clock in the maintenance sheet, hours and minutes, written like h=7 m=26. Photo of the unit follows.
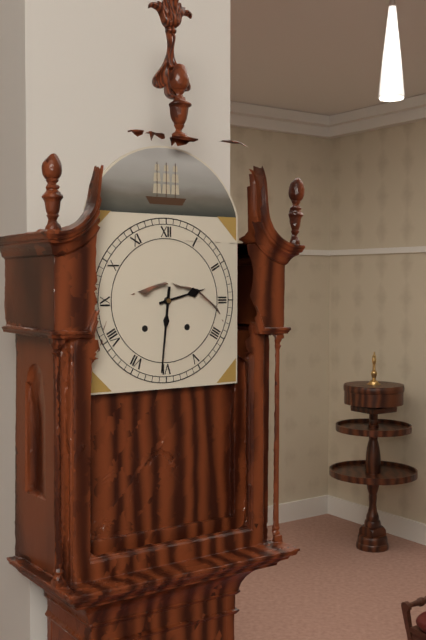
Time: h=2 m=31
